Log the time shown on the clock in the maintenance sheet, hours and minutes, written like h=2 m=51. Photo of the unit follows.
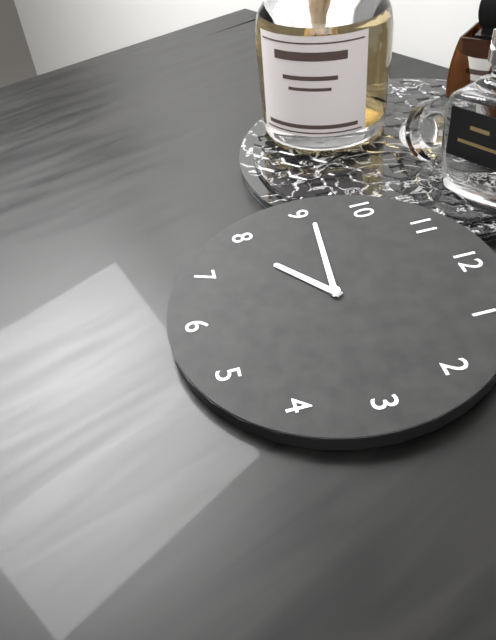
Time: h=7 m=46
